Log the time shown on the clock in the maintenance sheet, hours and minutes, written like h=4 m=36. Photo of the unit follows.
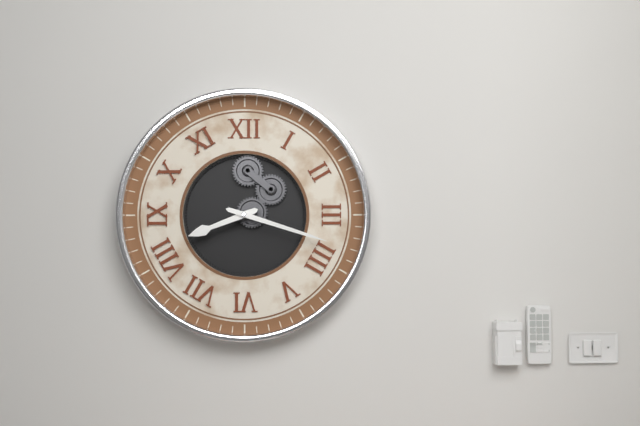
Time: h=8 m=18
